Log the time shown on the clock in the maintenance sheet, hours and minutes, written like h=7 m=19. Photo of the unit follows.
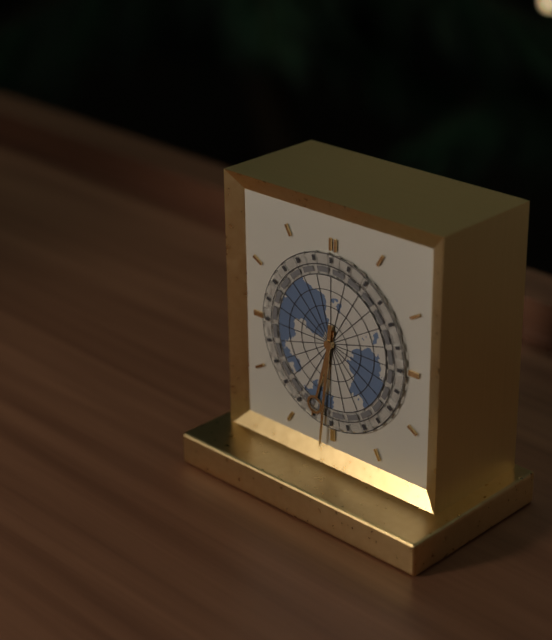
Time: h=6 m=31
